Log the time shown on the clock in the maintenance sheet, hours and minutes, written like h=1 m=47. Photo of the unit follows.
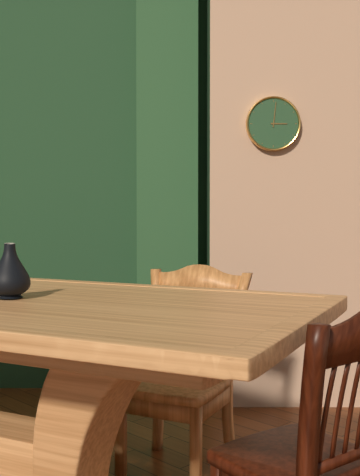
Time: h=3 m=1
